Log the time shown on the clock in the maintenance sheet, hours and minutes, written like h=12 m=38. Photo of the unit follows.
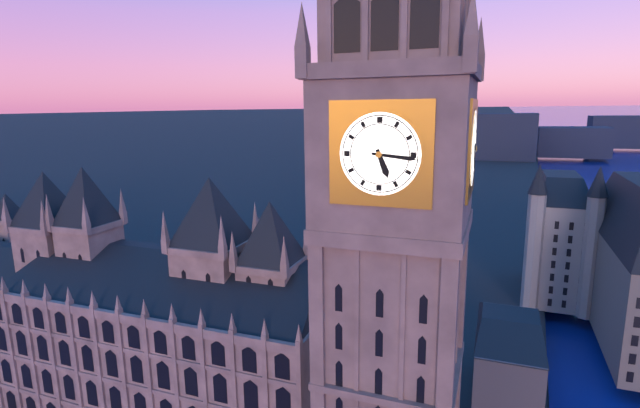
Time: h=5 m=16
